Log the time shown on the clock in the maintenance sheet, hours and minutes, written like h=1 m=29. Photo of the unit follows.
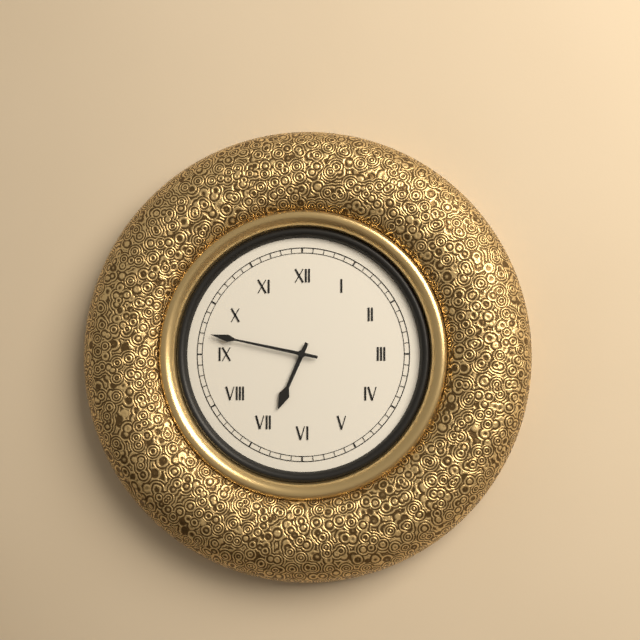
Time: h=6 m=47
